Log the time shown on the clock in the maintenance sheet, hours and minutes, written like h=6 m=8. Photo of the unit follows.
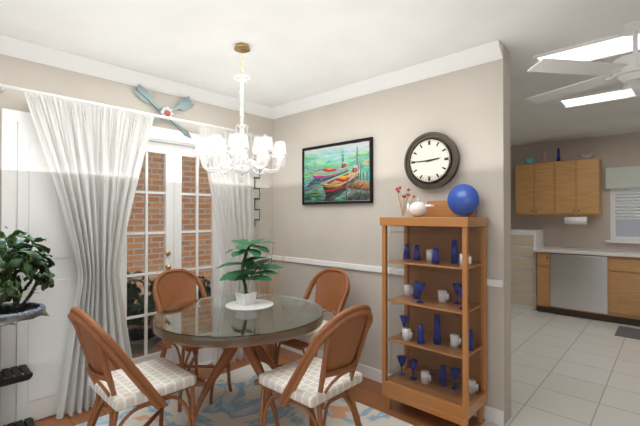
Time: h=2 m=45
